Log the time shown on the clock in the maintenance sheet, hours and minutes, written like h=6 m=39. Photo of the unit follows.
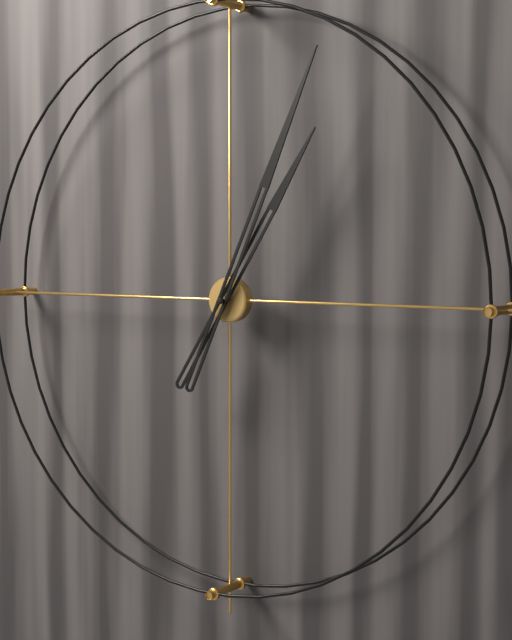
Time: h=1 m=4
